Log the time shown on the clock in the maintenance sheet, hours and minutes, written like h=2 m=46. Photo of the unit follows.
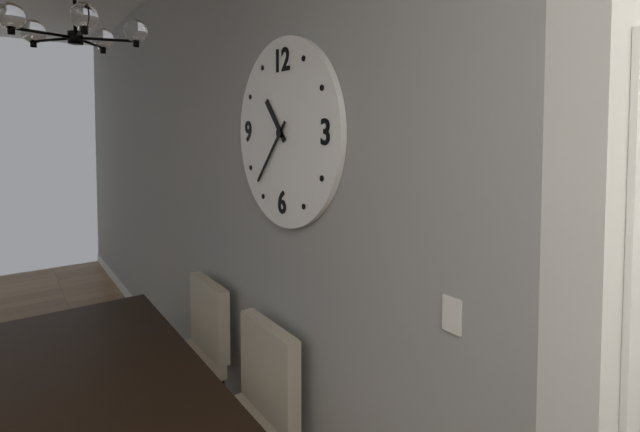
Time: h=10 m=37
